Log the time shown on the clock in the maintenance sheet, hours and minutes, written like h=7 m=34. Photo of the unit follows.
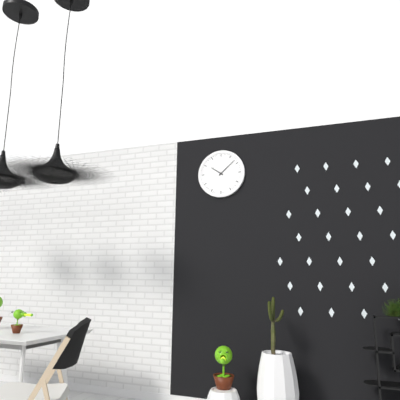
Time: h=10 m=8
